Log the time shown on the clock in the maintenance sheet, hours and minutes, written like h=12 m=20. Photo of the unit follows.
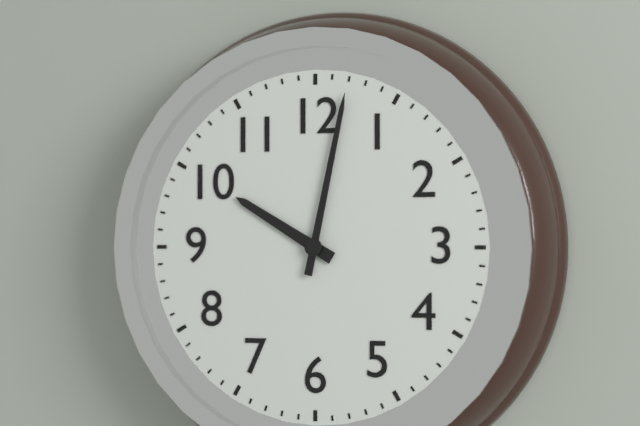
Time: h=10 m=2
